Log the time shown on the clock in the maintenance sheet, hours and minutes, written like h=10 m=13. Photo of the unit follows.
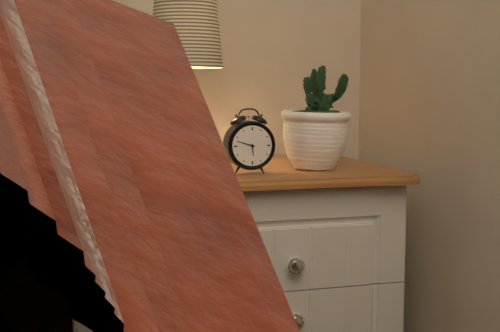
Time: h=5 m=48
